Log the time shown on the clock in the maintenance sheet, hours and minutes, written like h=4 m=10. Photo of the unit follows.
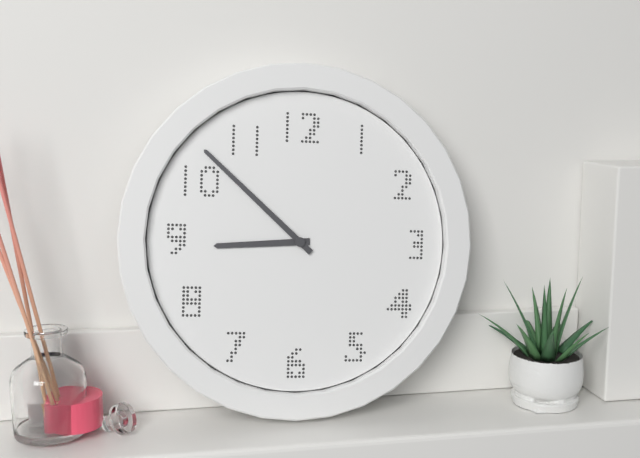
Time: h=8 m=52
